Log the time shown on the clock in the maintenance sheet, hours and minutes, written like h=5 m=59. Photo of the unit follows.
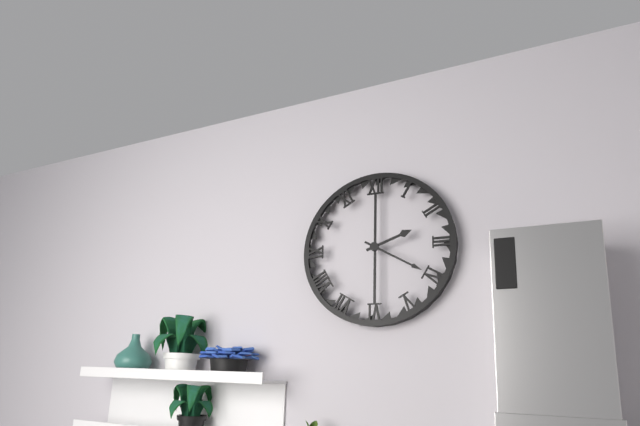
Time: h=2 m=20
